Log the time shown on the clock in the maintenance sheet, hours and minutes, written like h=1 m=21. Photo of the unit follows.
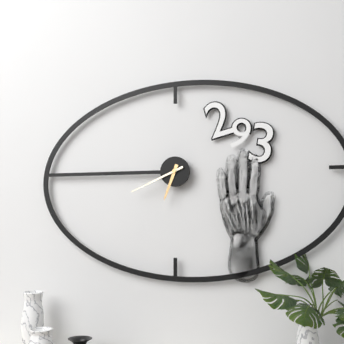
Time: h=6 m=41
